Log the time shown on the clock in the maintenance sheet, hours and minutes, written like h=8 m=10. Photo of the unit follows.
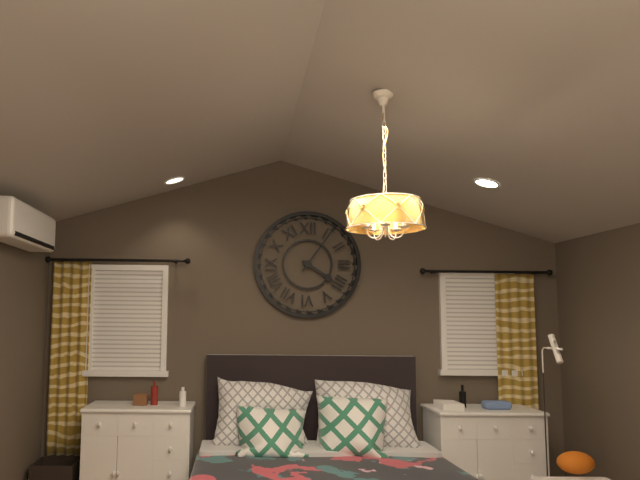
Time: h=4 m=6
